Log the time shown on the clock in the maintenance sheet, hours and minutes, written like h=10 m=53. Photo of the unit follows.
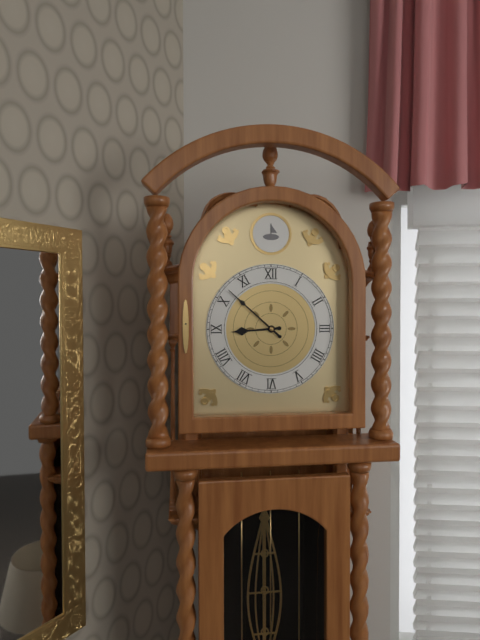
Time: h=8 m=52
